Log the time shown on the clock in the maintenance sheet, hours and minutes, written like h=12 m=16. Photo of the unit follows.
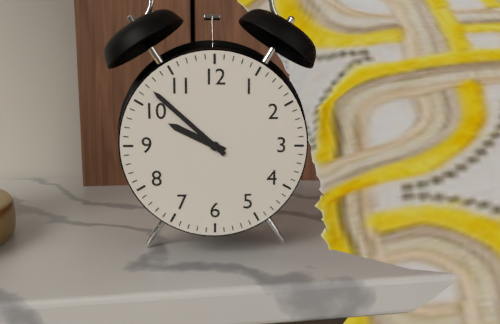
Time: h=9 m=52
